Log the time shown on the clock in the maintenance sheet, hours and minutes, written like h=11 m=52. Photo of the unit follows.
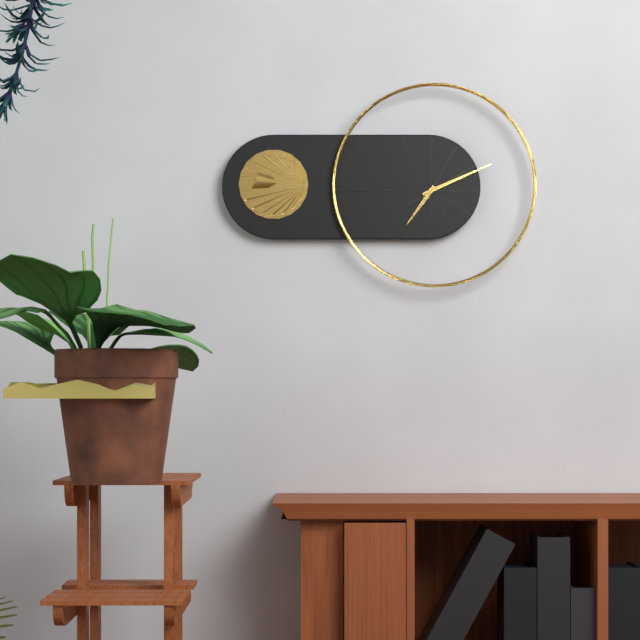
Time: h=7 m=11
